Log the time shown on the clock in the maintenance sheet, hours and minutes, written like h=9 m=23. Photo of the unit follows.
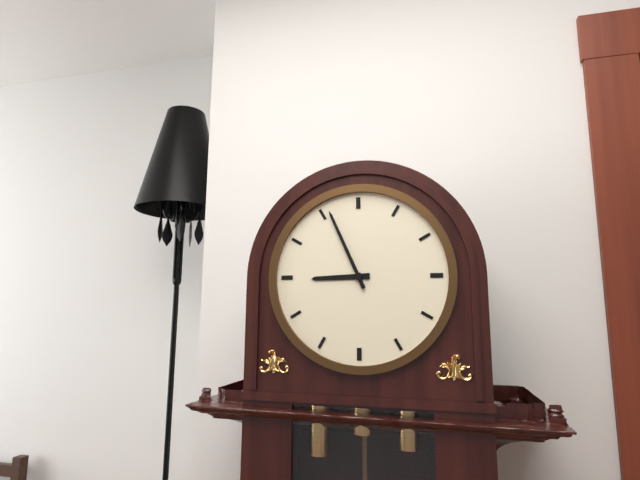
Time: h=8 m=56
